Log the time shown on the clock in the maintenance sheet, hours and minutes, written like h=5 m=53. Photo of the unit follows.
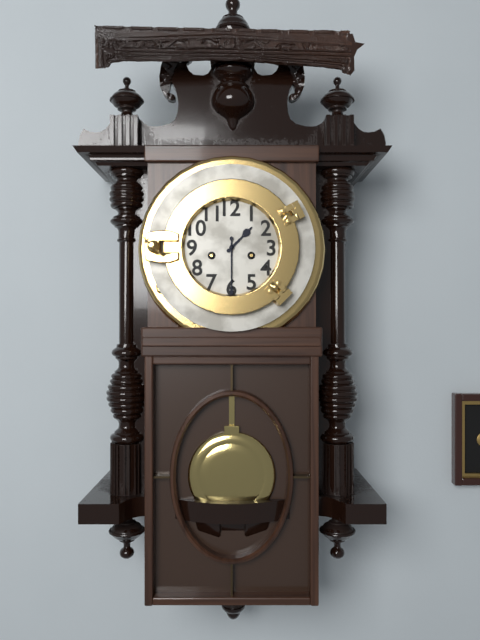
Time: h=1 m=30
